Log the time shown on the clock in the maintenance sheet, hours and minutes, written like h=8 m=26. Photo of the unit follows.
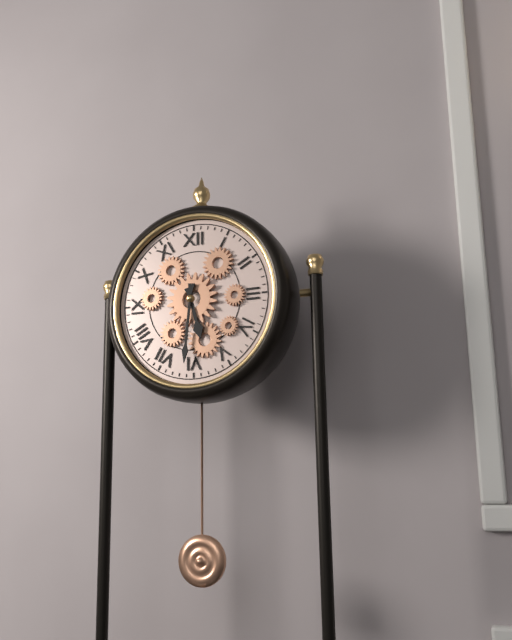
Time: h=5 m=31
